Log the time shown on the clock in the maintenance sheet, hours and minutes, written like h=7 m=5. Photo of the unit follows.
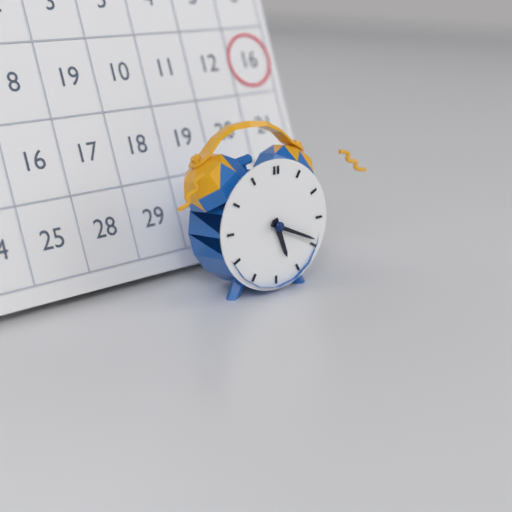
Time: h=5 m=19
